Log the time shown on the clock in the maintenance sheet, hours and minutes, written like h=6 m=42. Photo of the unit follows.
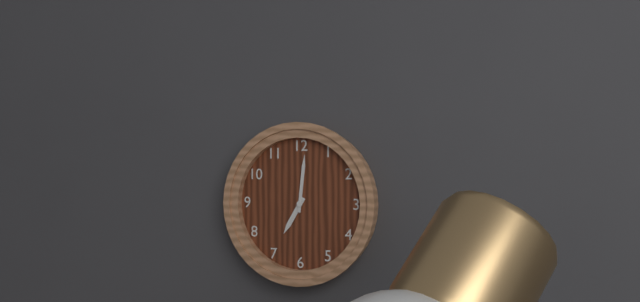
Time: h=7 m=1
